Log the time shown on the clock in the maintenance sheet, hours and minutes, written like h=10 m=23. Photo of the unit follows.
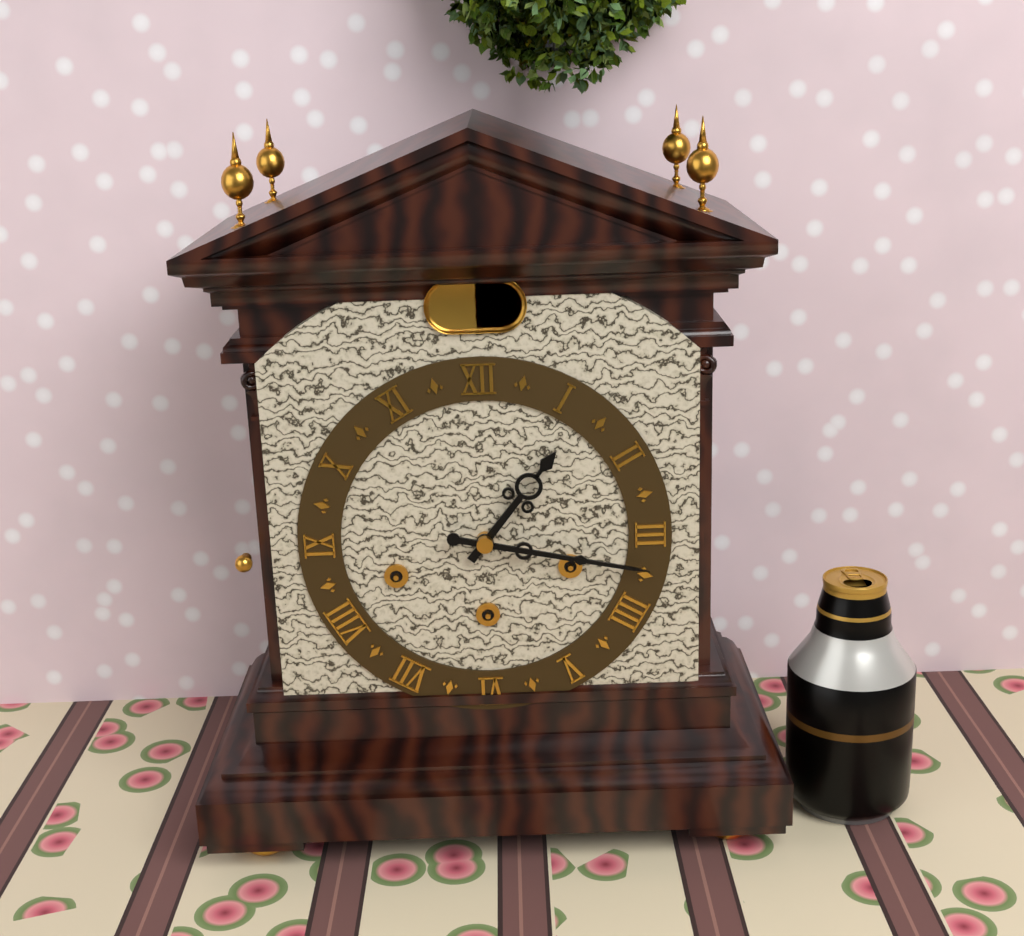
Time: h=1 m=17
